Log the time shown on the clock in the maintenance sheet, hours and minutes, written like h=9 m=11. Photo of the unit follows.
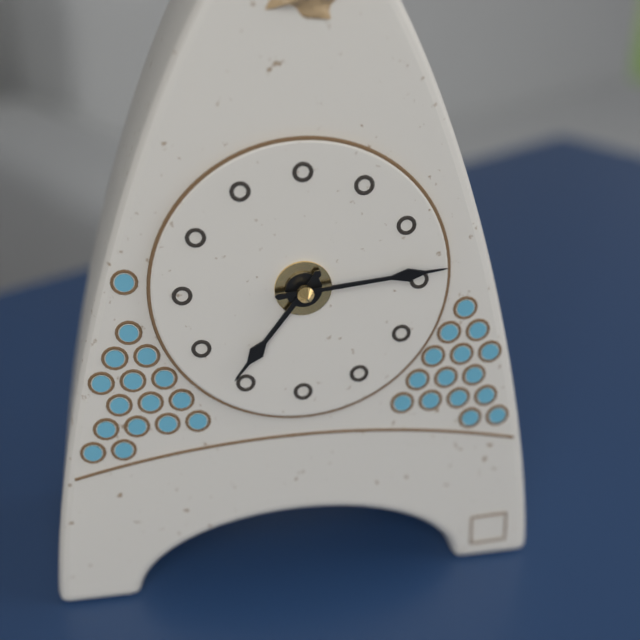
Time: h=7 m=14
